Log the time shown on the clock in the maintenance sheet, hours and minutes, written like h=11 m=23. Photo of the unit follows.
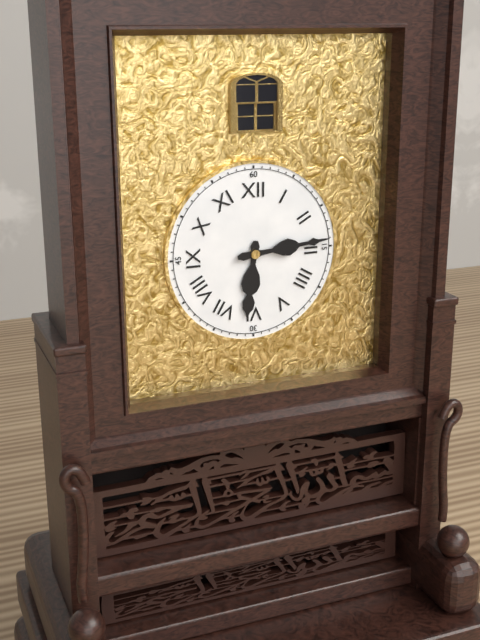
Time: h=6 m=14
